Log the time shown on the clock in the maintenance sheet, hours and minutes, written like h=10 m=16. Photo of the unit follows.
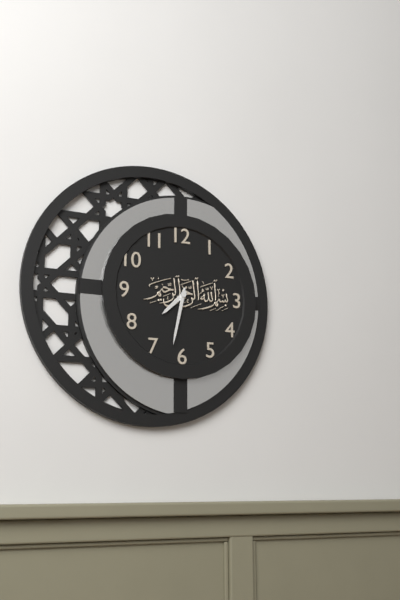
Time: h=7 m=32
